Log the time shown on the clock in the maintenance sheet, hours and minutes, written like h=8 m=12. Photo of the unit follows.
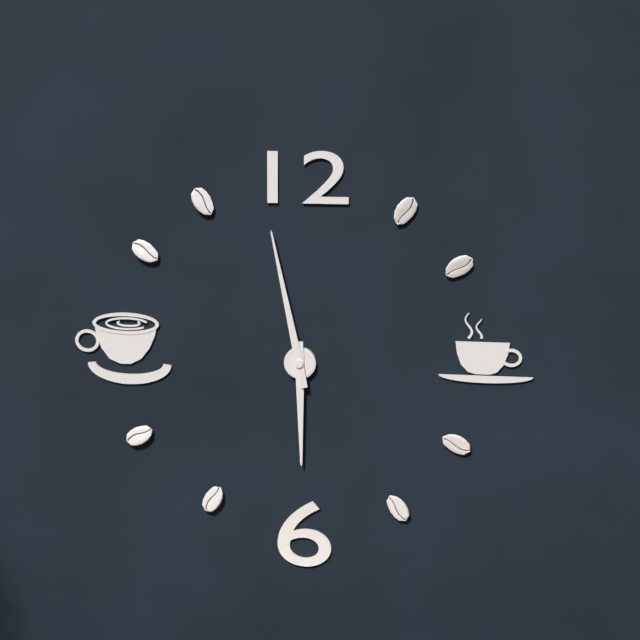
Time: h=5 m=58
